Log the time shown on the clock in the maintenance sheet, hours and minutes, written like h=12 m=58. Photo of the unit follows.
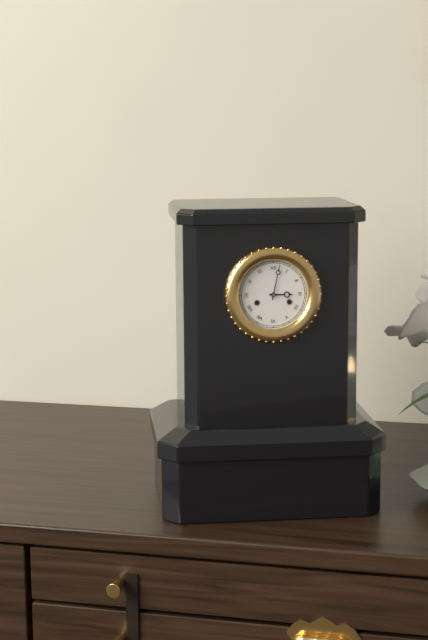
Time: h=3 m=2
